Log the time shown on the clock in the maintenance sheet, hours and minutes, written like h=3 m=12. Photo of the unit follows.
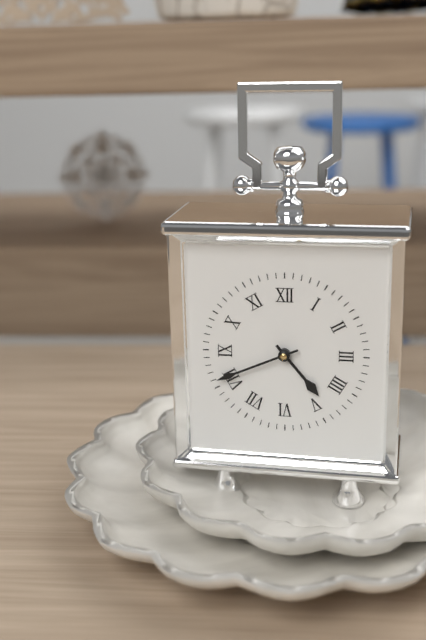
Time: h=4 m=41
